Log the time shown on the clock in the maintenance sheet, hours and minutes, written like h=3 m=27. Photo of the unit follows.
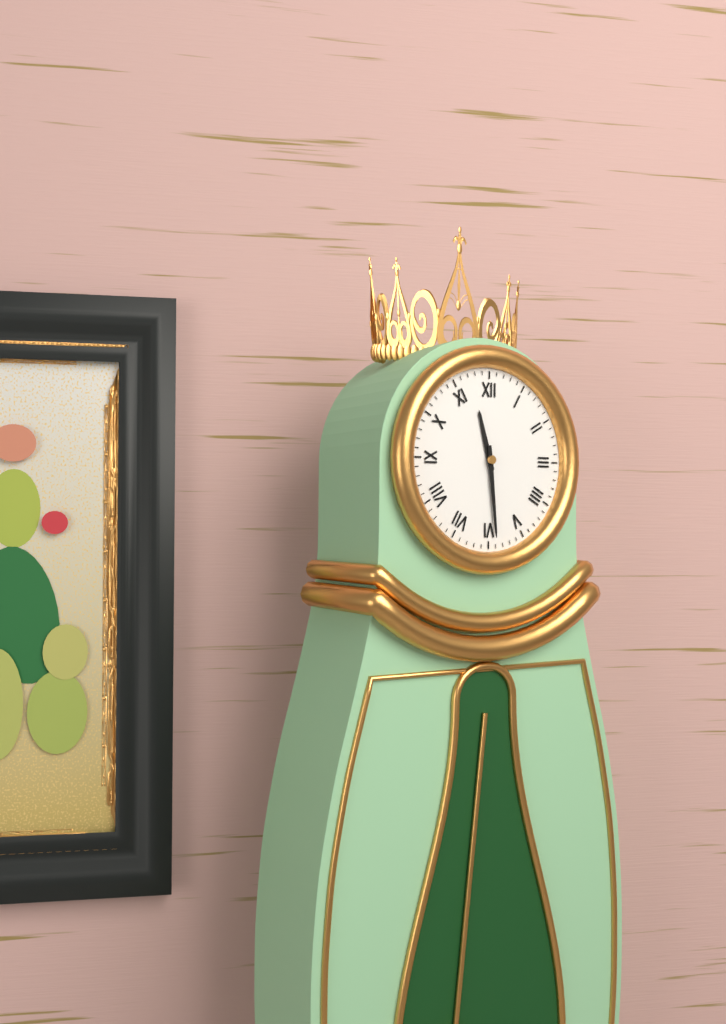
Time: h=11 m=29
